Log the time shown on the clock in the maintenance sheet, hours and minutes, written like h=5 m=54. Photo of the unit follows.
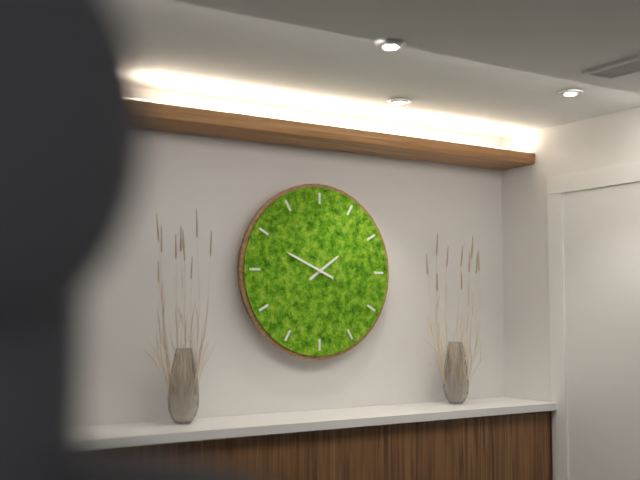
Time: h=1 m=49
